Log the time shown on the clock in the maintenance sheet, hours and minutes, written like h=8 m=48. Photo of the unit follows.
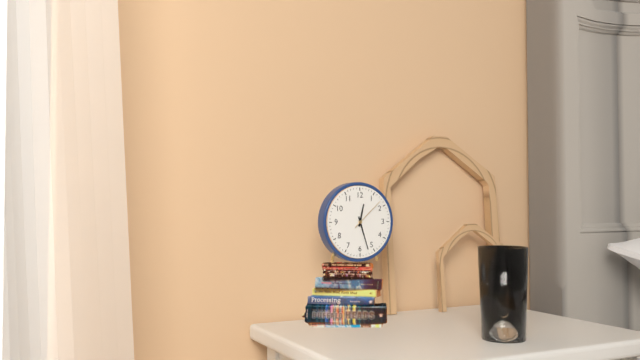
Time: h=12 m=27
